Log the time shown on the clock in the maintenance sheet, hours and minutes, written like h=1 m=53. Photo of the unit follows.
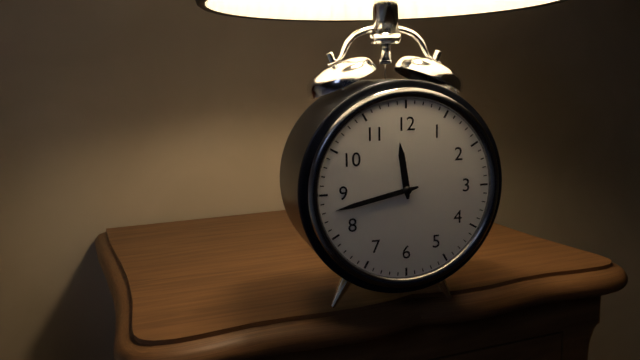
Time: h=11 m=43
